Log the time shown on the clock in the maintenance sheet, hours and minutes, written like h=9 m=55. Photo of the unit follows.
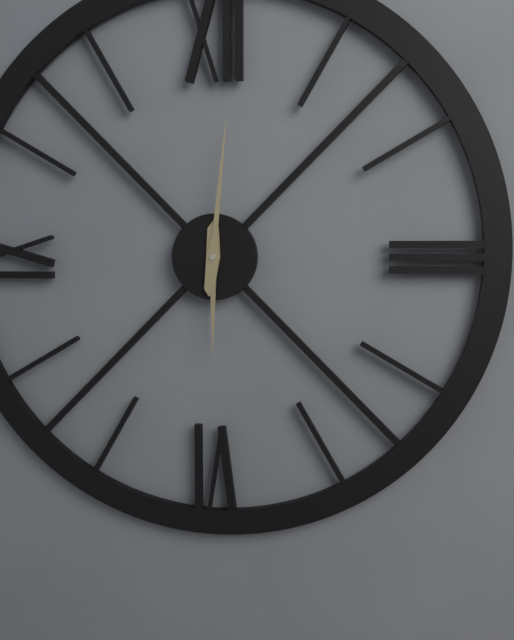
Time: h=6 m=1
